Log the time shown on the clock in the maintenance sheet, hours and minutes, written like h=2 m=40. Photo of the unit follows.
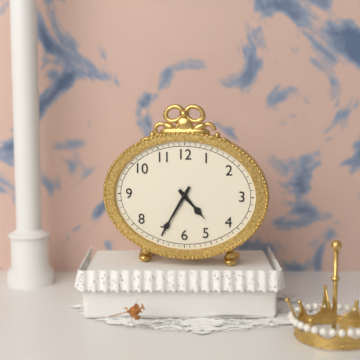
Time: h=4 m=35
